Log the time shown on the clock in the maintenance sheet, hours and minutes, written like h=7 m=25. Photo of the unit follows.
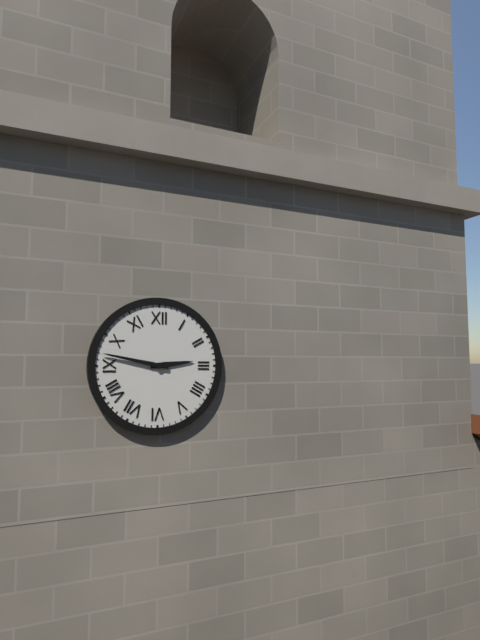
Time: h=2 m=47
